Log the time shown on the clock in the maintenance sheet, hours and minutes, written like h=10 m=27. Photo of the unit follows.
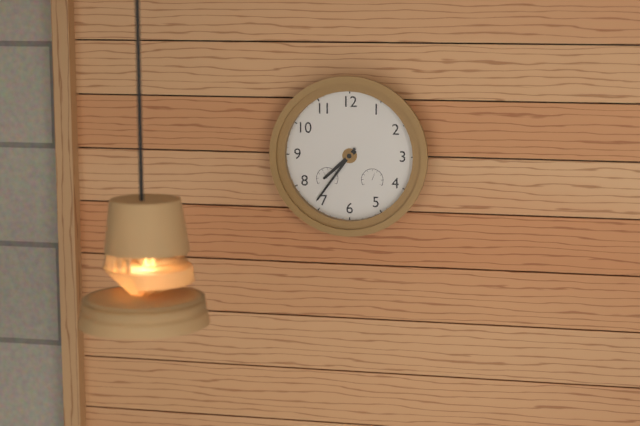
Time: h=7 m=36
